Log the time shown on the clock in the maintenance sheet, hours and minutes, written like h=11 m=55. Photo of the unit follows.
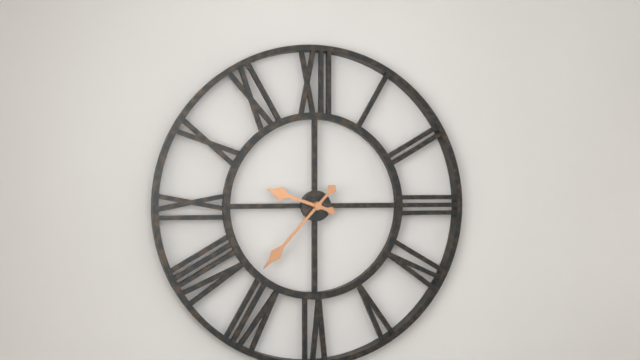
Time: h=9 m=37
